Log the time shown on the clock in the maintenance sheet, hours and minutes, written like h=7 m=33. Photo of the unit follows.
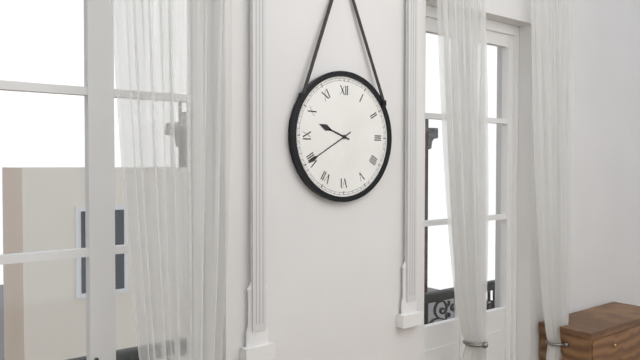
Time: h=9 m=40
